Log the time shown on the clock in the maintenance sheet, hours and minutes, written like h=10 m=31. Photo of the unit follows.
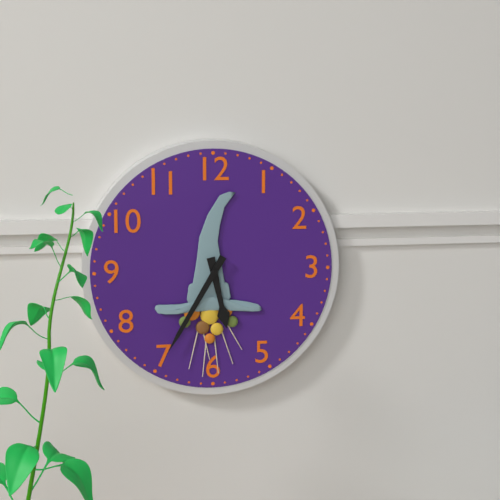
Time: h=5 m=35
